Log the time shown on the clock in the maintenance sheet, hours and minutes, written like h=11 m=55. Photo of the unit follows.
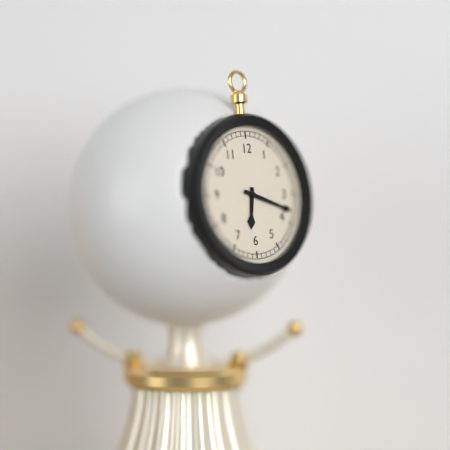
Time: h=6 m=18
